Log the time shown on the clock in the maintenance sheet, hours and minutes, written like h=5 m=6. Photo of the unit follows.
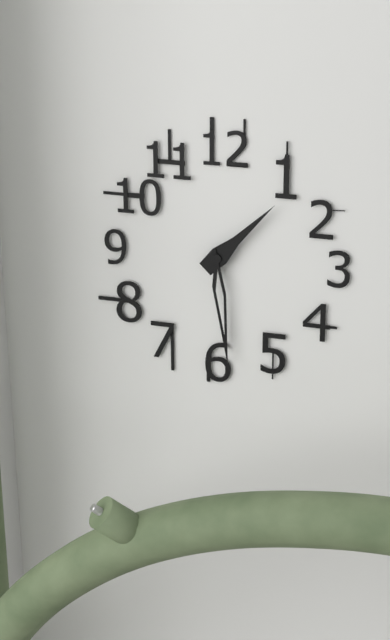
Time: h=1 m=29
